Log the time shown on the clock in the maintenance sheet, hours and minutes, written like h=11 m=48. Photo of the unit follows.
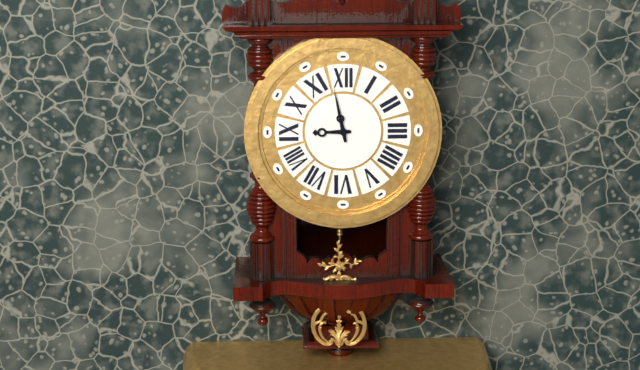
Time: h=8 m=58
